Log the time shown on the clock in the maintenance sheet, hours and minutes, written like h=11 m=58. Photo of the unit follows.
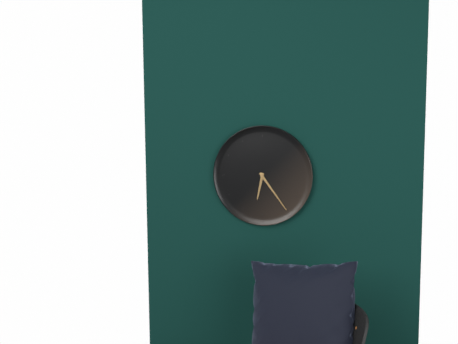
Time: h=6 m=24
